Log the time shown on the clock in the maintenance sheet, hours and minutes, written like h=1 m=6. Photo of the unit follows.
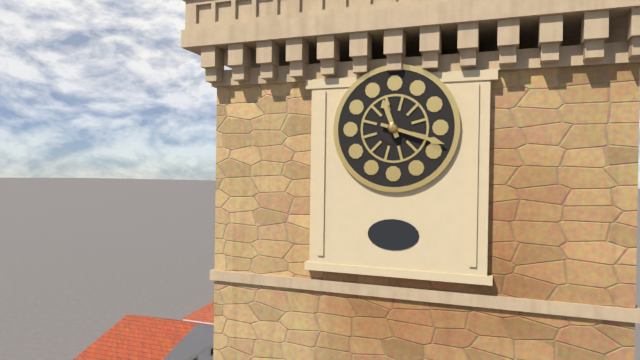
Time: h=11 m=18
